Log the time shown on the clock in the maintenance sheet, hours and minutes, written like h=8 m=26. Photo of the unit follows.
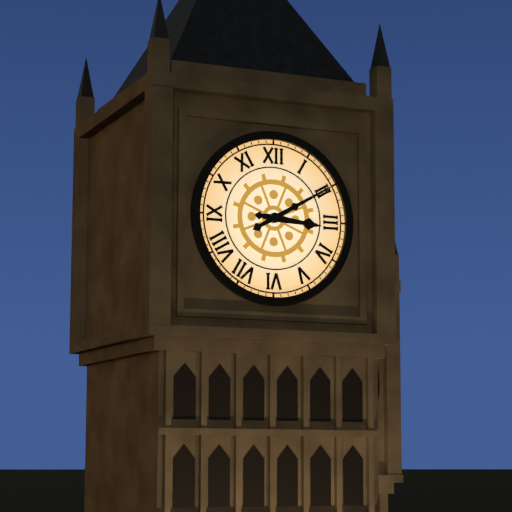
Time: h=3 m=10
